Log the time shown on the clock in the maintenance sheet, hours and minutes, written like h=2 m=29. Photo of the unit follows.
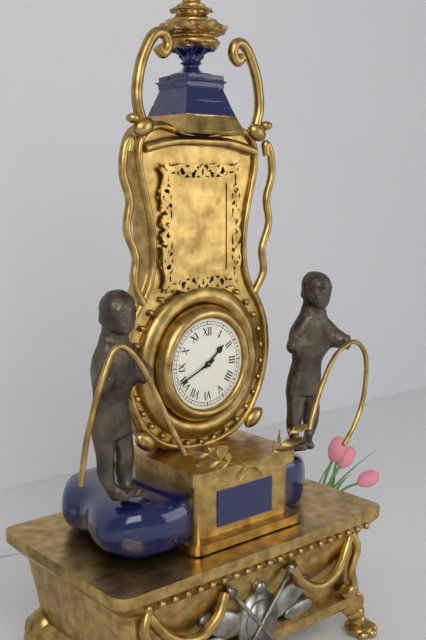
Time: h=1 m=41
